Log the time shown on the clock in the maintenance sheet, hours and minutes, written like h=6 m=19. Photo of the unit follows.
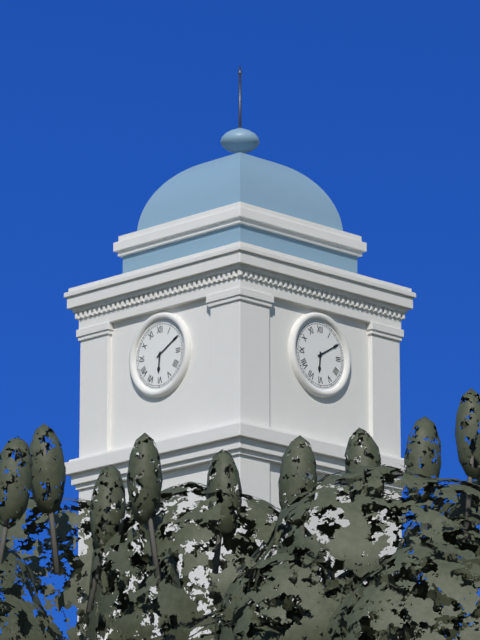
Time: h=6 m=10
